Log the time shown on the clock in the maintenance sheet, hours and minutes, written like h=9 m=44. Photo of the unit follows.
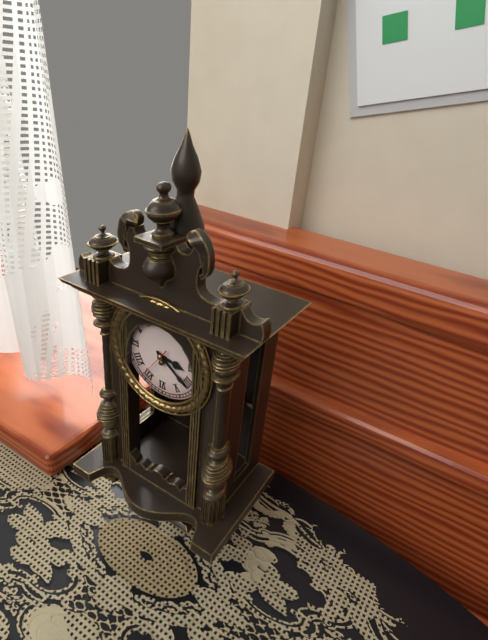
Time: h=3 m=21
